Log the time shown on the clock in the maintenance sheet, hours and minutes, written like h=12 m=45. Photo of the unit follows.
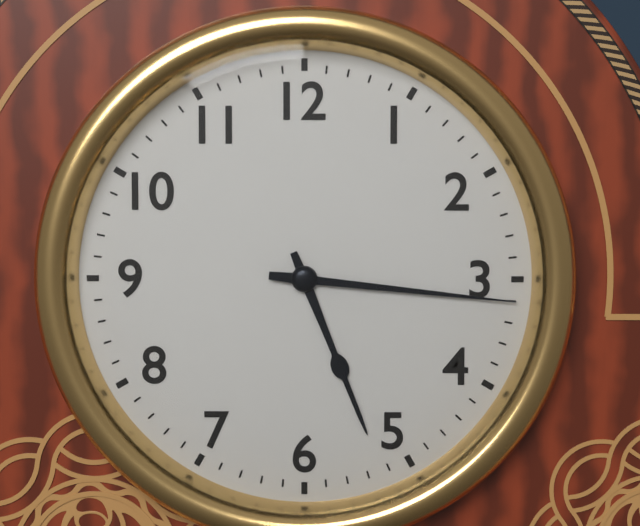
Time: h=5 m=16
